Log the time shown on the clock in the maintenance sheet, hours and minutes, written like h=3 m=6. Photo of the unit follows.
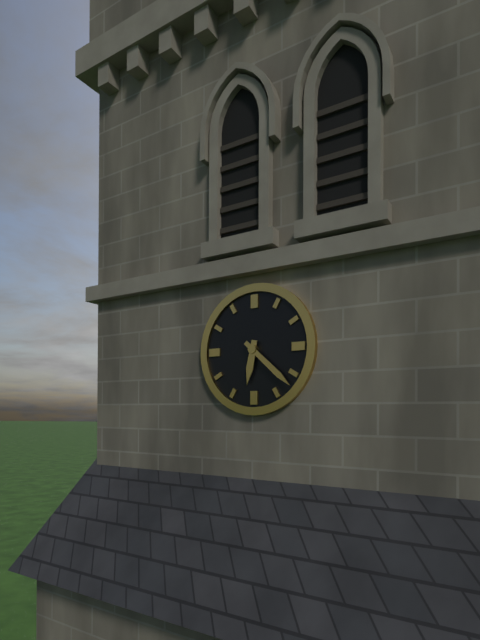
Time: h=6 m=22
